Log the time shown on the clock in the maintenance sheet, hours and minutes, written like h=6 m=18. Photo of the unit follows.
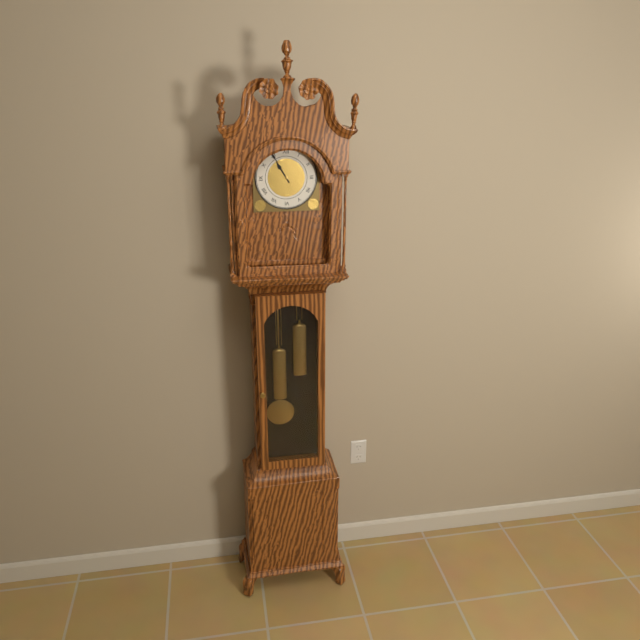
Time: h=10 m=55
